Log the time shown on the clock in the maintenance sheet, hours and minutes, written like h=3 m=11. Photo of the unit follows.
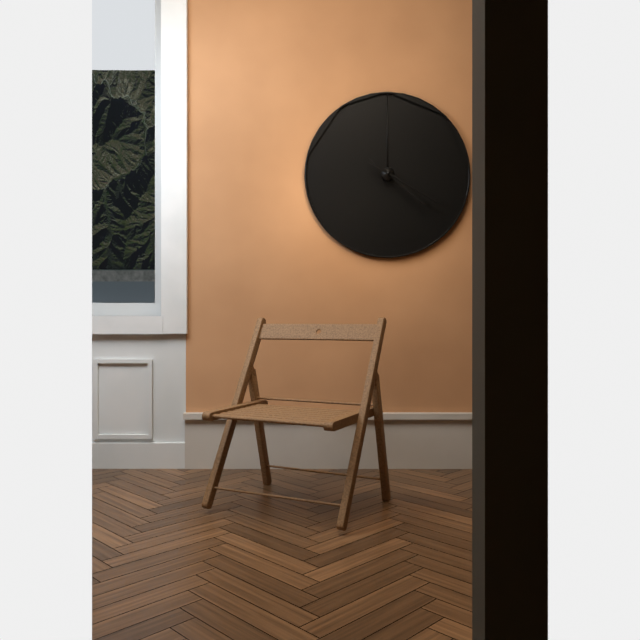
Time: h=4 m=20
